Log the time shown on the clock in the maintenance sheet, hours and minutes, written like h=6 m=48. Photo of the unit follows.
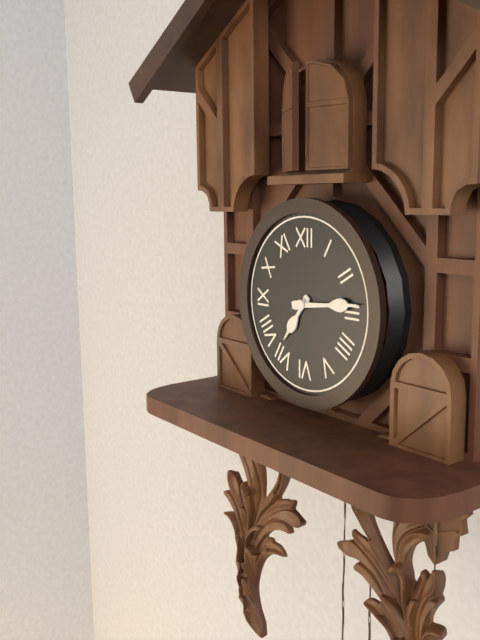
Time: h=7 m=14
